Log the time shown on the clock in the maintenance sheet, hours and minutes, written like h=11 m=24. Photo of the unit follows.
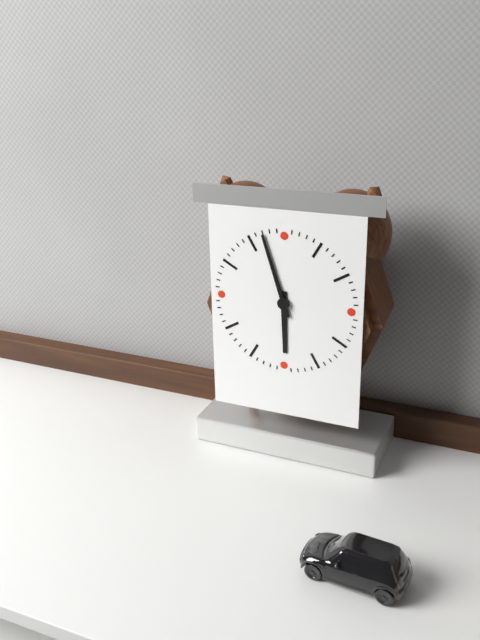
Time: h=5 m=57
